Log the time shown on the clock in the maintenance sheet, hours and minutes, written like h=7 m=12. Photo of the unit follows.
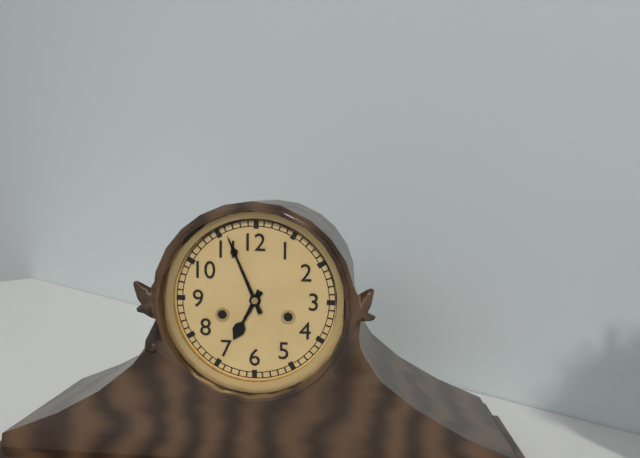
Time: h=6 m=56
